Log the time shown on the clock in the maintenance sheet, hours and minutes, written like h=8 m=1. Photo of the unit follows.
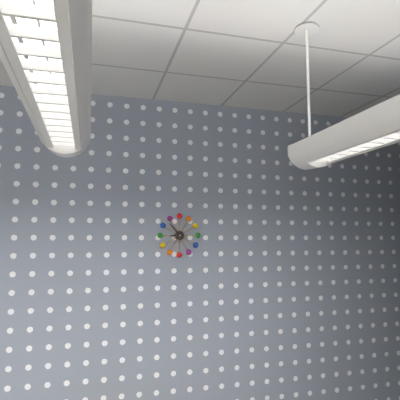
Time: h=8 m=53
